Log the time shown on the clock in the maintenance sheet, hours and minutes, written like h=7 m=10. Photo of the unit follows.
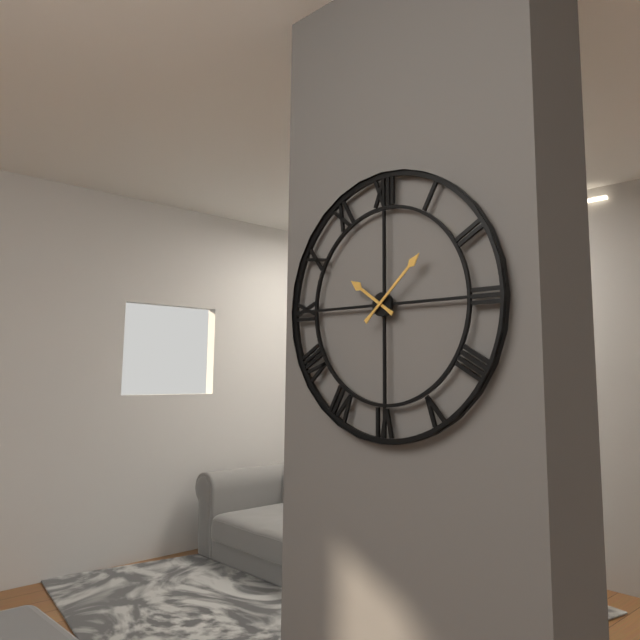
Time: h=10 m=8
